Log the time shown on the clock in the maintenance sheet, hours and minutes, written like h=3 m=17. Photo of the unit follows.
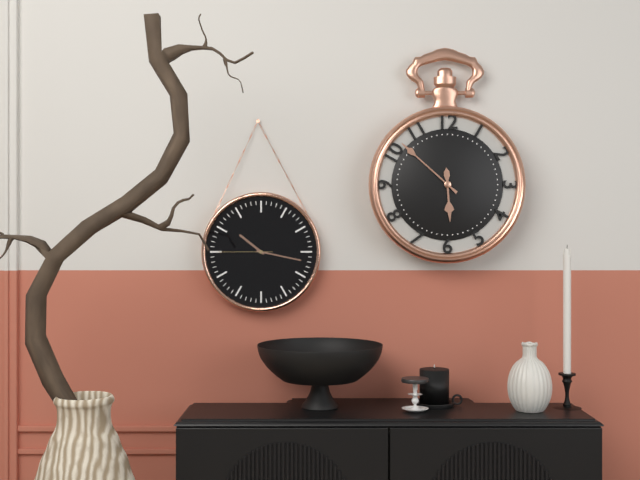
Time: h=5 m=52
